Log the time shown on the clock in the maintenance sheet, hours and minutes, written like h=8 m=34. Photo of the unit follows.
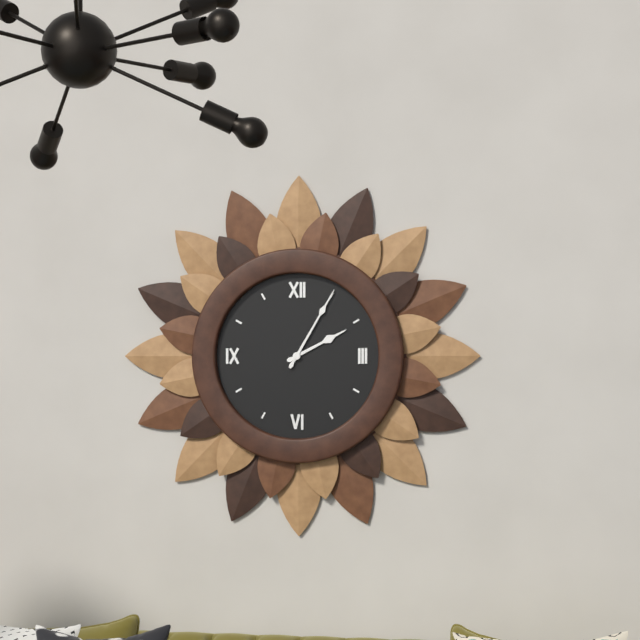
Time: h=2 m=5
